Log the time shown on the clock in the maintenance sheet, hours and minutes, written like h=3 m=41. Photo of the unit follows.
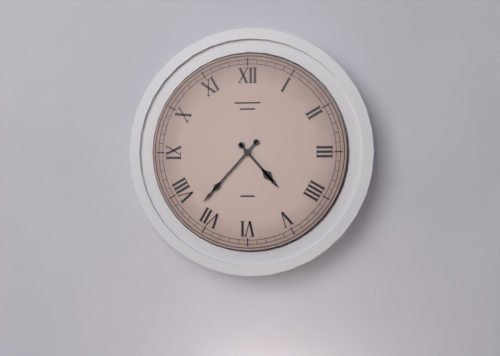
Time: h=4 m=37
